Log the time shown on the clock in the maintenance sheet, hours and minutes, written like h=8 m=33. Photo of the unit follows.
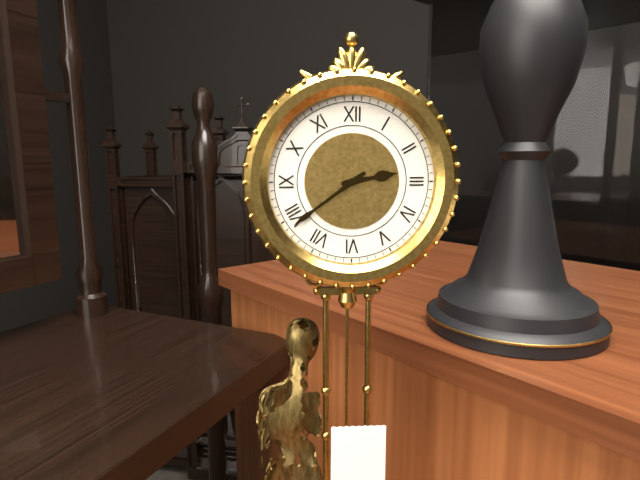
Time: h=2 m=39
